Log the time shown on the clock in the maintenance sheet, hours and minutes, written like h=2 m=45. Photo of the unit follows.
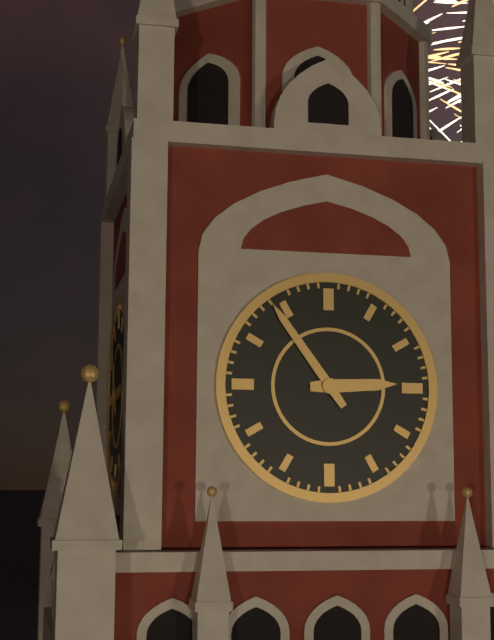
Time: h=2 m=54
